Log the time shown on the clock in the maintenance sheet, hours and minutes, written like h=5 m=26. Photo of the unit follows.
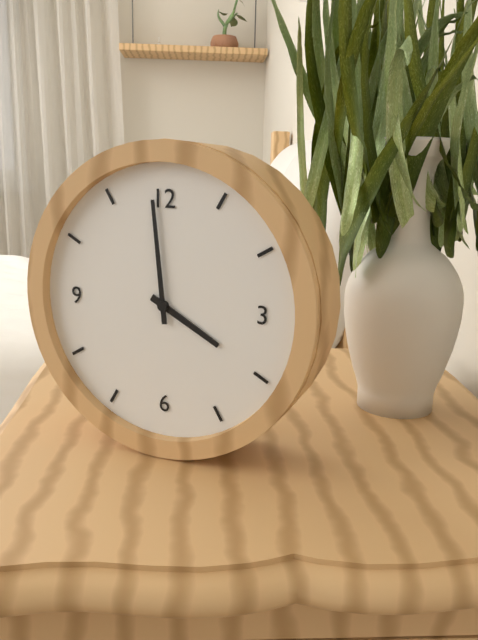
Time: h=3 m=59
